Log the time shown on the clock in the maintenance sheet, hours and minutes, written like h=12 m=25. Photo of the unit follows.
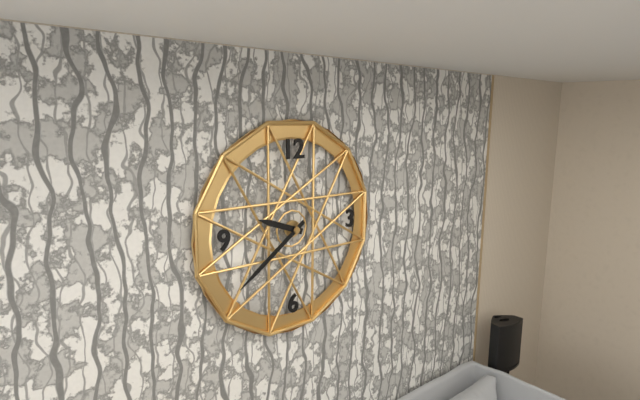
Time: h=9 m=39
